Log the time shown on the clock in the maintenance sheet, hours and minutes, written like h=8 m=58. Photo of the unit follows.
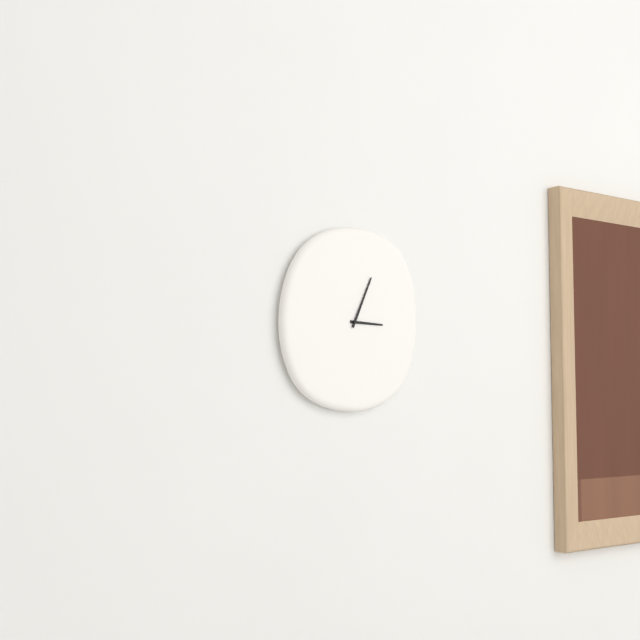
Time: h=3 m=4
